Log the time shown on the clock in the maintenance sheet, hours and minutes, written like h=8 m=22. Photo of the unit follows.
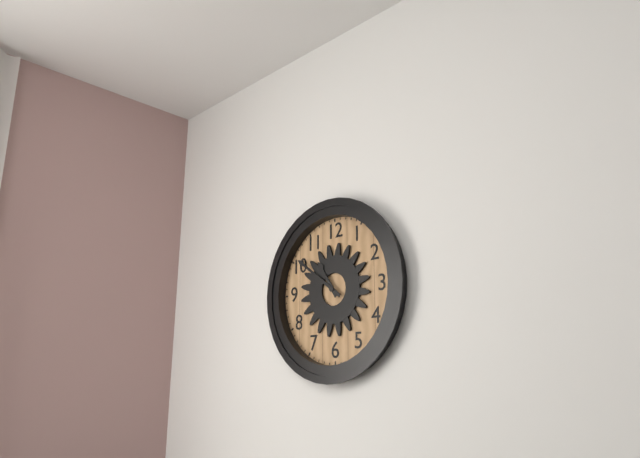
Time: h=10 m=51
